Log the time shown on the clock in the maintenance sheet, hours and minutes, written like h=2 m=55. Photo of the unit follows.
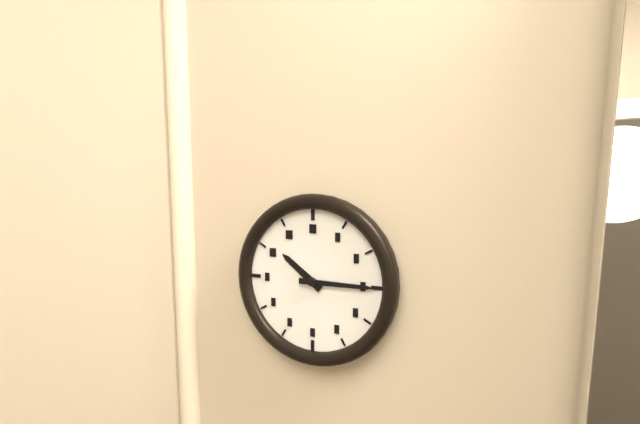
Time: h=10 m=15
